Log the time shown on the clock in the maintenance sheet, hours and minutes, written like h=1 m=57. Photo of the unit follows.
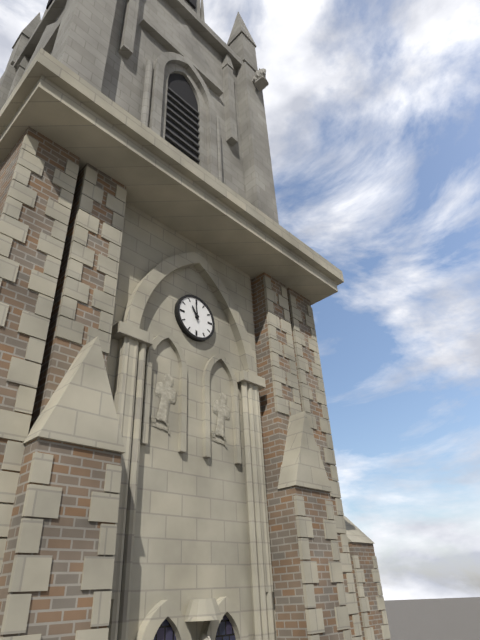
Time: h=10 m=59
